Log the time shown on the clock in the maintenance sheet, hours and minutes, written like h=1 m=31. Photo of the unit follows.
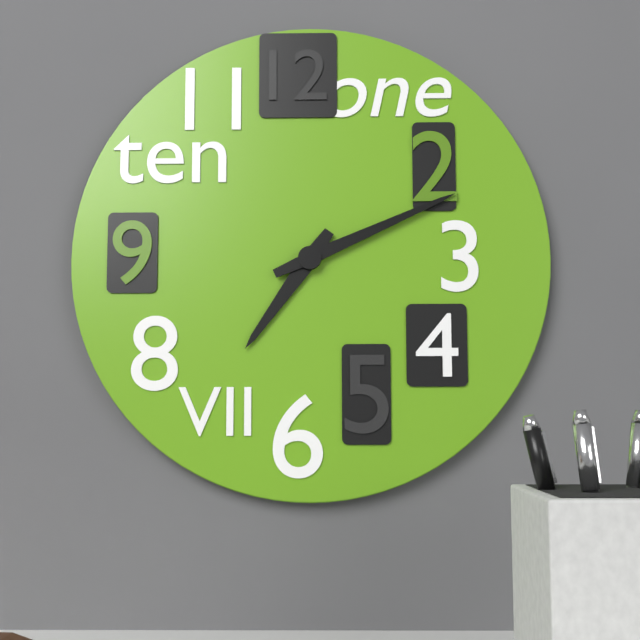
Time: h=7 m=11
